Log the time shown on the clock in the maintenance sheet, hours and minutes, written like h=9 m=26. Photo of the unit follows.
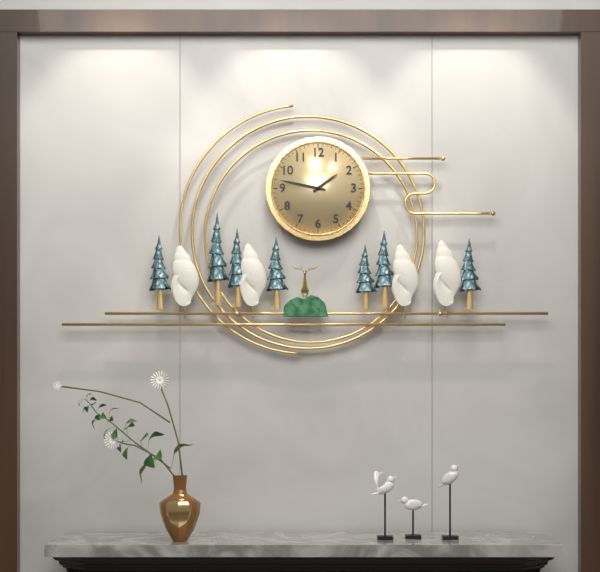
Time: h=1 m=47
